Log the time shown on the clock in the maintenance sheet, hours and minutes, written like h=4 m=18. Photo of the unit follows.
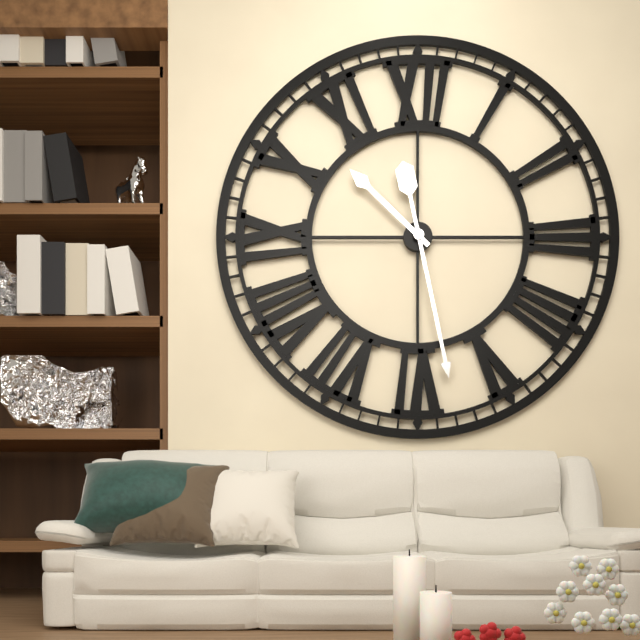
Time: h=10 m=28
